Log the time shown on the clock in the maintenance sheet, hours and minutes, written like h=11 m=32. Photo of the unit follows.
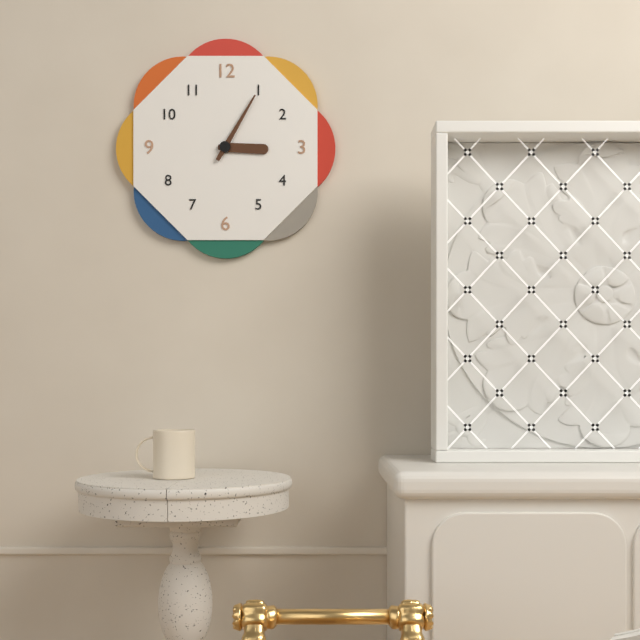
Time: h=3 m=5
